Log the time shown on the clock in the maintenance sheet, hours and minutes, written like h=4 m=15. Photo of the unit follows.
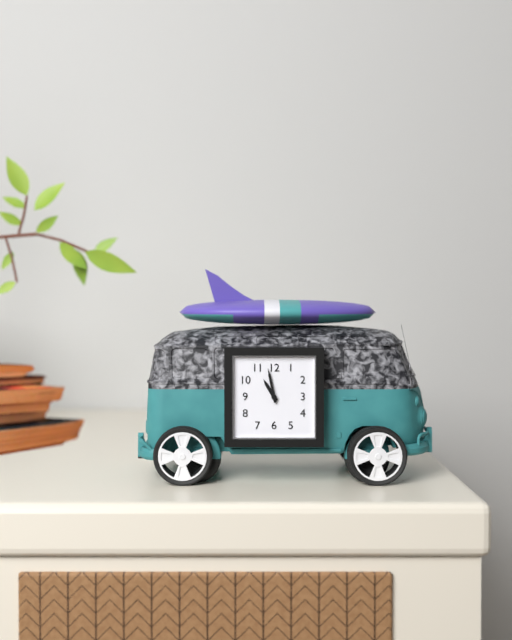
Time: h=10 m=58
